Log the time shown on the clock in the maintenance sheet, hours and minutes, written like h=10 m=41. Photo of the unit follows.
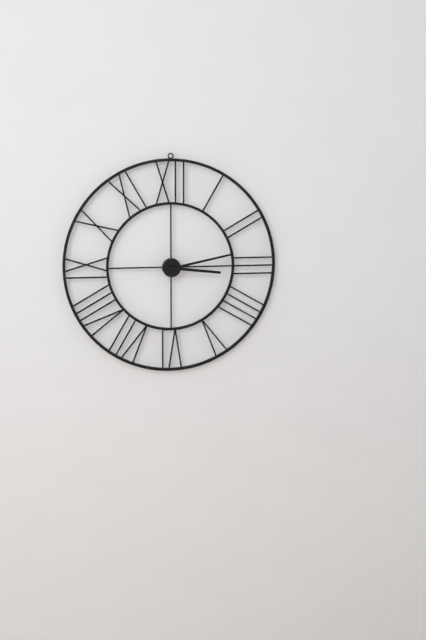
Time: h=3 m=13
